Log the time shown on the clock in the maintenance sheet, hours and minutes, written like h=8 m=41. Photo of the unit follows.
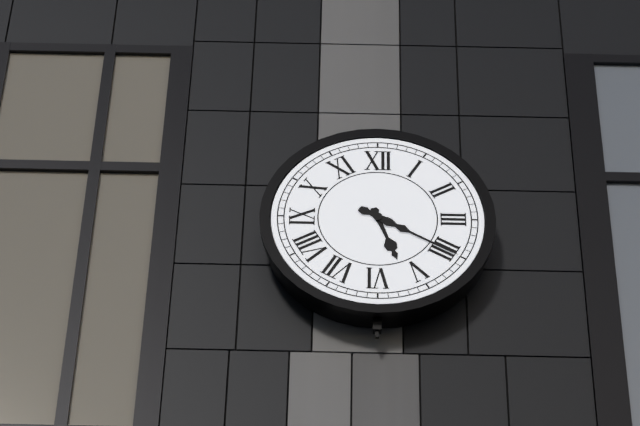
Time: h=5 m=20
